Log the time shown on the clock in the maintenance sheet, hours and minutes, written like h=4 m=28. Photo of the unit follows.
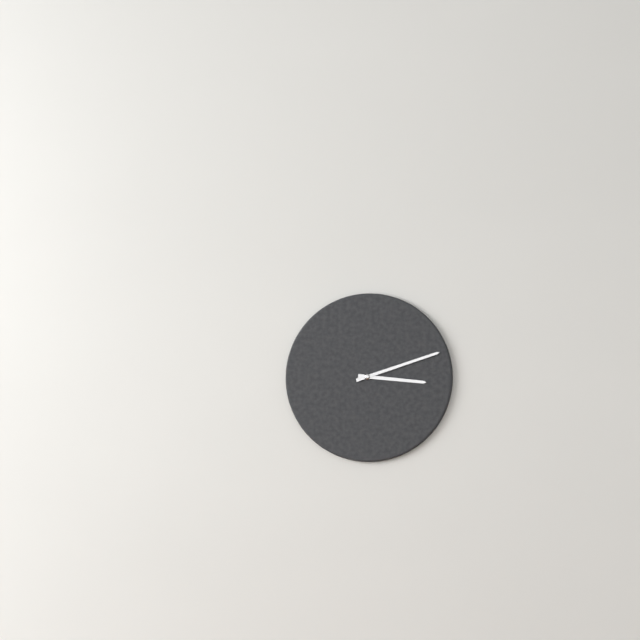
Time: h=3 m=12
